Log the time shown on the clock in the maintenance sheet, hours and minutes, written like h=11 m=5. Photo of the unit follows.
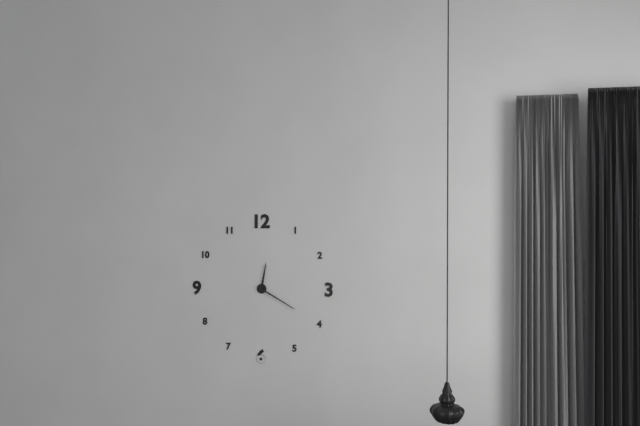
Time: h=12 m=20
